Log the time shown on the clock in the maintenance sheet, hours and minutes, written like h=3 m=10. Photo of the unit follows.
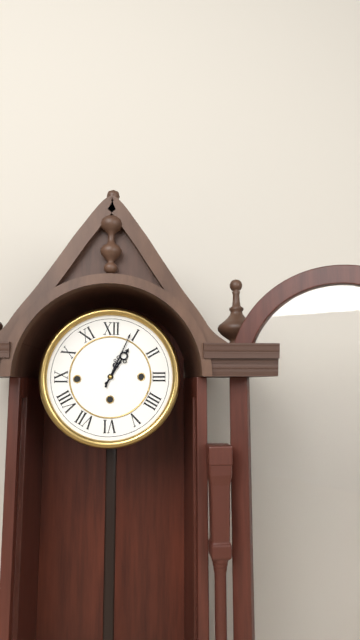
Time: h=1 m=4
